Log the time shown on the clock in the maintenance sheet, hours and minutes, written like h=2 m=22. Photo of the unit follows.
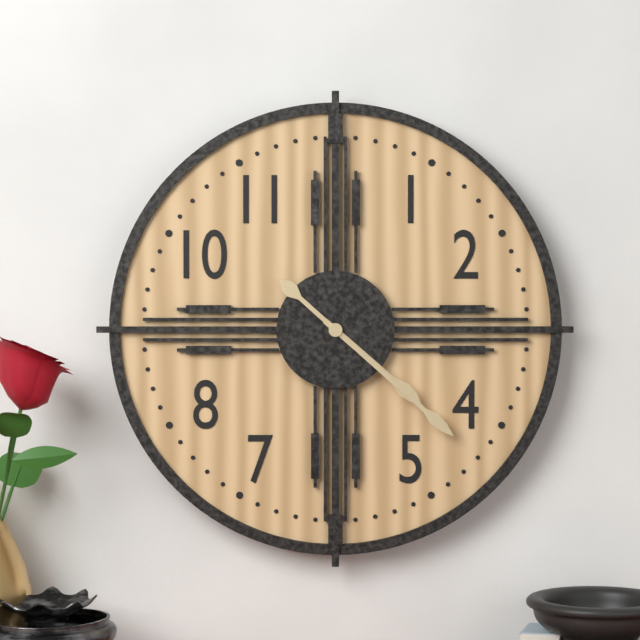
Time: h=4 m=22
